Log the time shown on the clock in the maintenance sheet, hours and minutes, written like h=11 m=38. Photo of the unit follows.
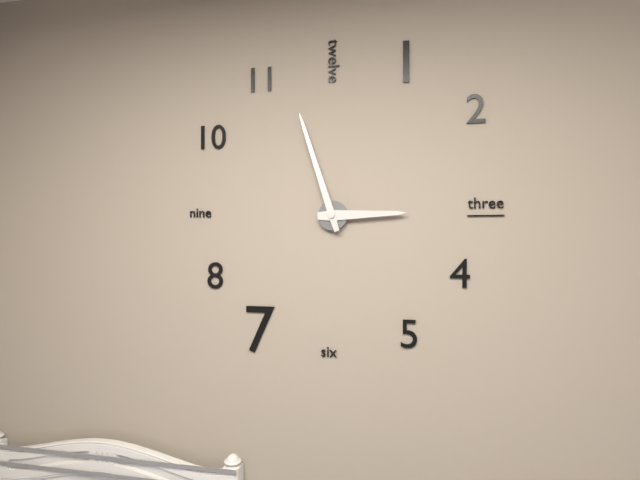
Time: h=2 m=57
